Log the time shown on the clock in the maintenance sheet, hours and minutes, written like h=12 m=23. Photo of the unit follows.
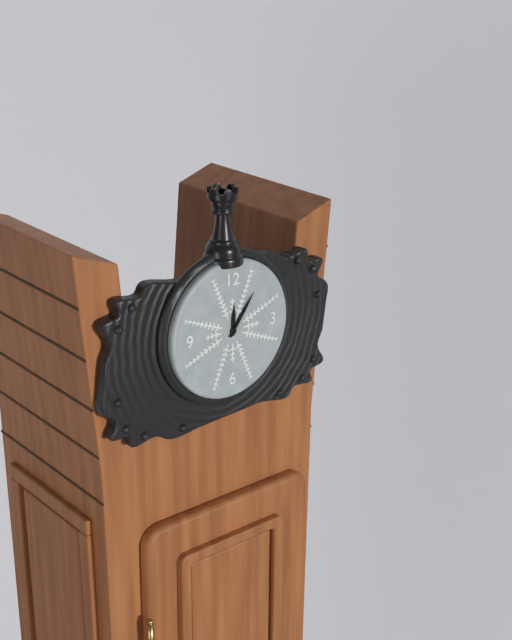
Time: h=12 m=6
